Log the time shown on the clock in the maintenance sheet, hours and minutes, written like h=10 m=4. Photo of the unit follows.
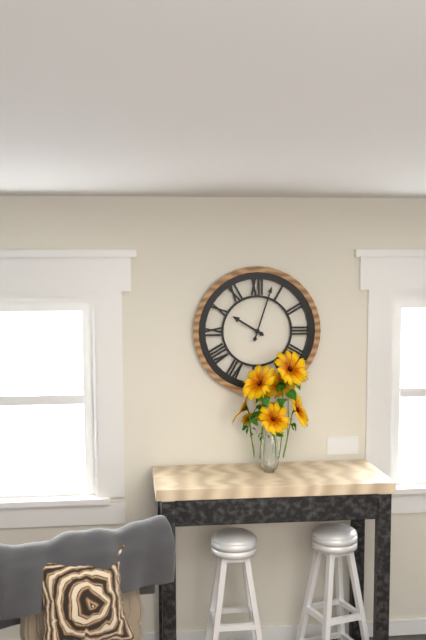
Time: h=10 m=3
